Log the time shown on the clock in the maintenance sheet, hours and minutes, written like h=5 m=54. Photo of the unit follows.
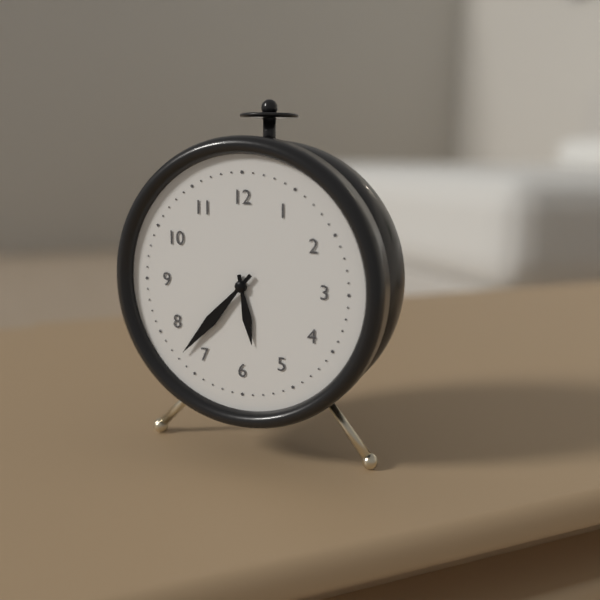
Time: h=5 m=37
